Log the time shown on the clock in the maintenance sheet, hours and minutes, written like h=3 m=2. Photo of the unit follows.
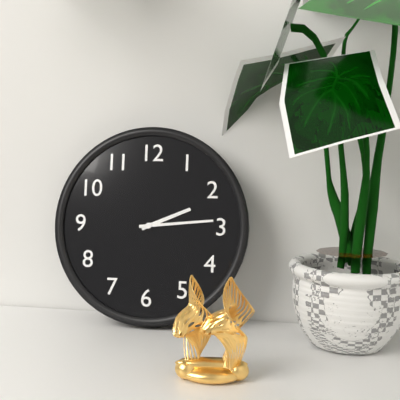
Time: h=2 m=14
